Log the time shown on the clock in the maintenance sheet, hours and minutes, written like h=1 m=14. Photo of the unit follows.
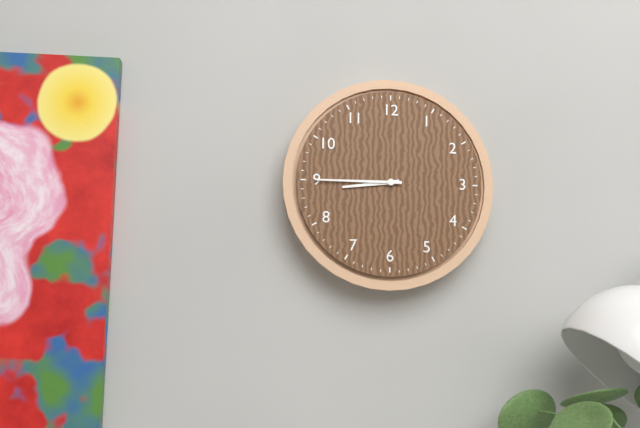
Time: h=8 m=45
